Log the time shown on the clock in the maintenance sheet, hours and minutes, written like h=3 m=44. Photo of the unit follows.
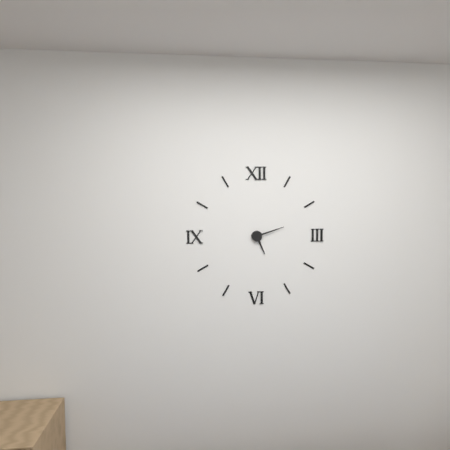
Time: h=5 m=12
